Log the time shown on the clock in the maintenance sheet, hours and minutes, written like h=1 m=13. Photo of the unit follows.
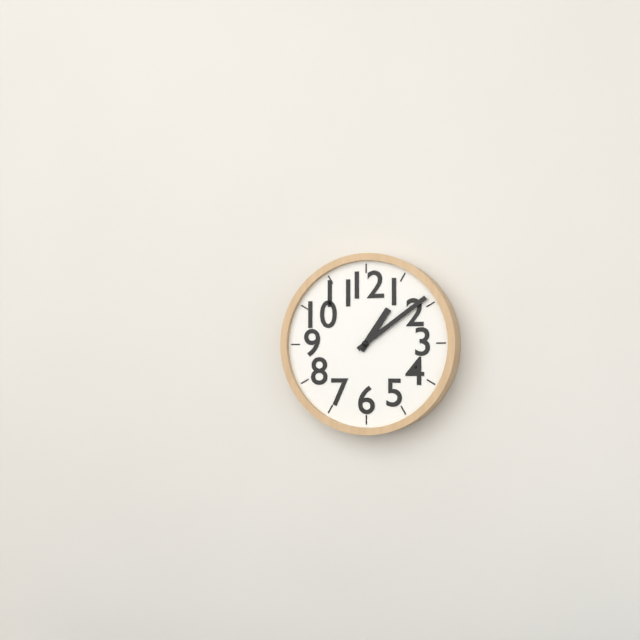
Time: h=1 m=9
